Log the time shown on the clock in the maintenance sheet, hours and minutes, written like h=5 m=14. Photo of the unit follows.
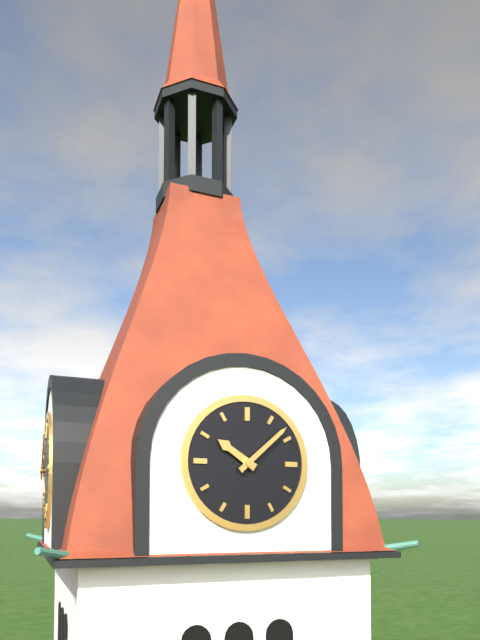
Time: h=10 m=8
